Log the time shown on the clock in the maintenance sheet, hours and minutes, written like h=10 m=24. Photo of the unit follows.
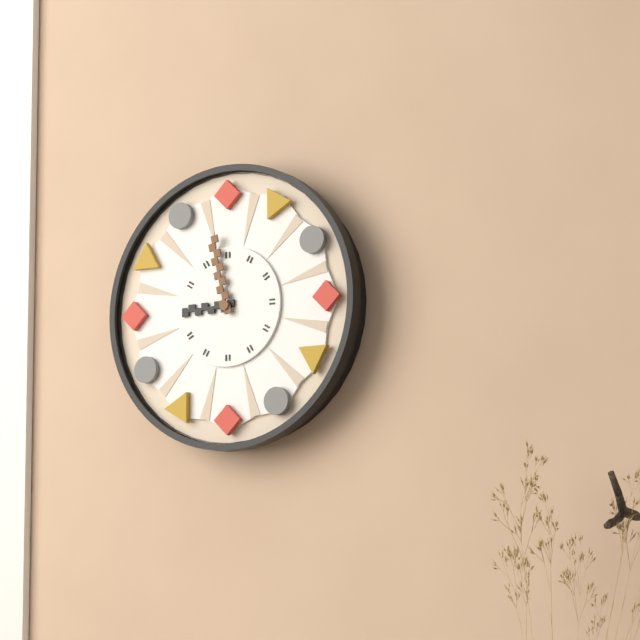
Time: h=8 m=58
